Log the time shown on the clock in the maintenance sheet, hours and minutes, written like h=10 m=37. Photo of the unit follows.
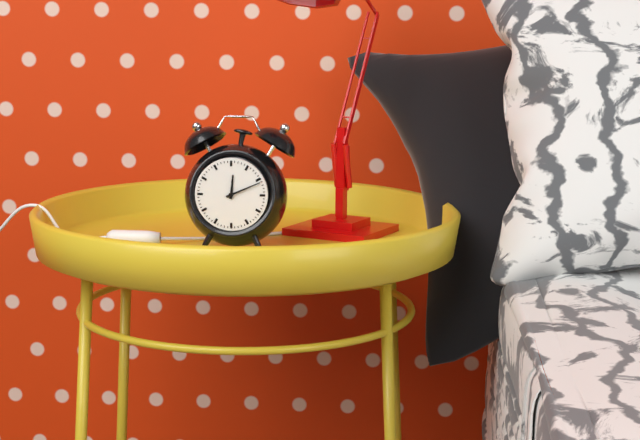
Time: h=12 m=11
